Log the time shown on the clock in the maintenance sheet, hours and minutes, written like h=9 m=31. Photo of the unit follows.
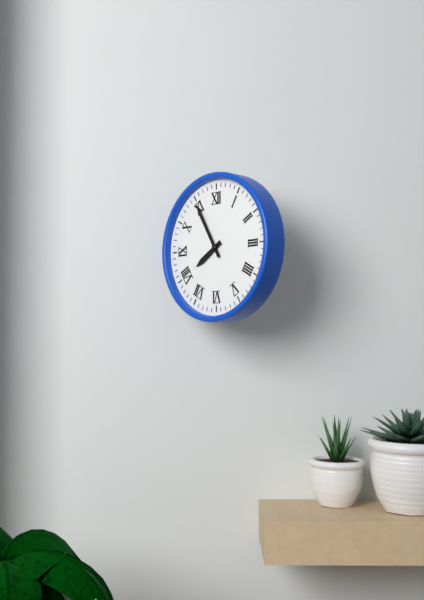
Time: h=7 m=55
